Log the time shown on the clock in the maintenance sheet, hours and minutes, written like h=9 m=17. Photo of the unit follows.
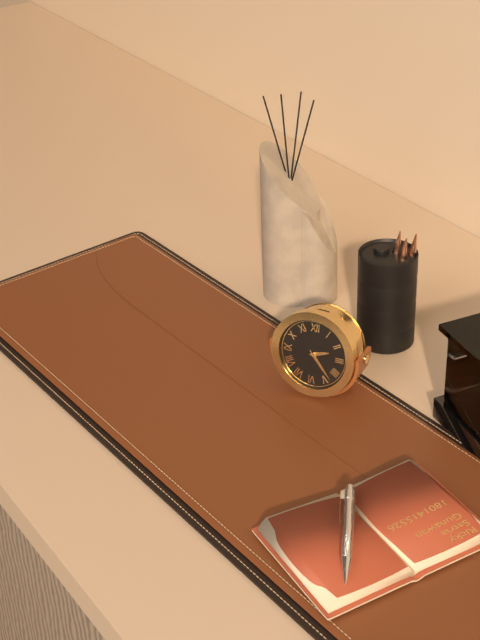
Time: h=2 m=23
